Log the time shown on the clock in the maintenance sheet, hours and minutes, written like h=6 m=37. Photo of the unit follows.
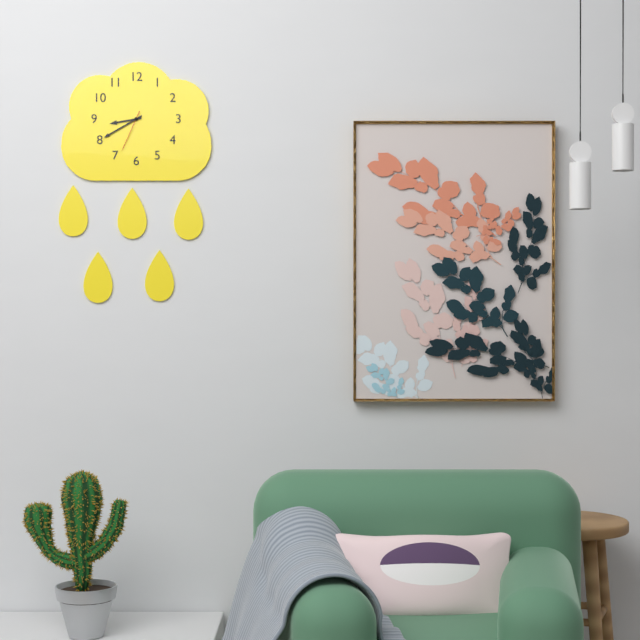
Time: h=8 m=40
